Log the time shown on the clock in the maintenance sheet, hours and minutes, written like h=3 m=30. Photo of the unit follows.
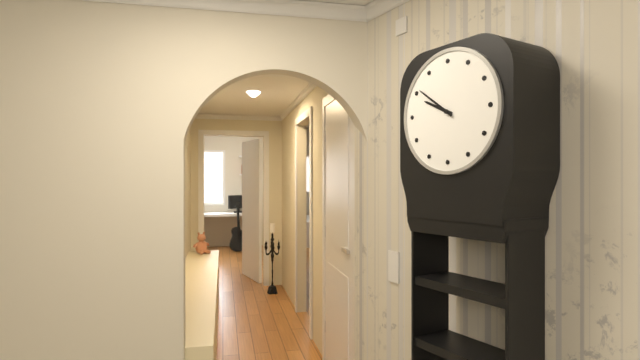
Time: h=9 m=51
